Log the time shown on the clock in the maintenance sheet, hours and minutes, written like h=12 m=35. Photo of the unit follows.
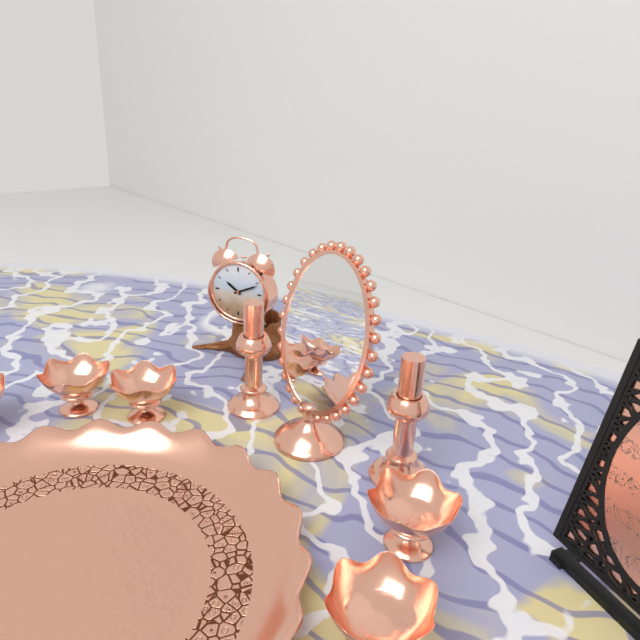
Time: h=10 m=11
